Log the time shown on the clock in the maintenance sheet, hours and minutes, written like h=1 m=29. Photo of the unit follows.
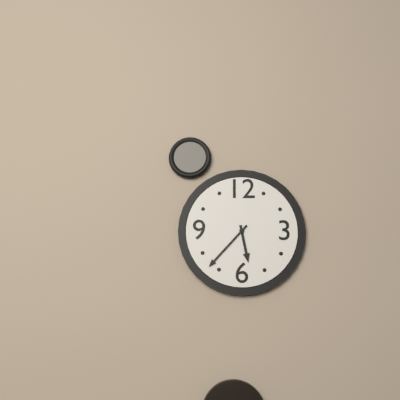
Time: h=5 m=37
